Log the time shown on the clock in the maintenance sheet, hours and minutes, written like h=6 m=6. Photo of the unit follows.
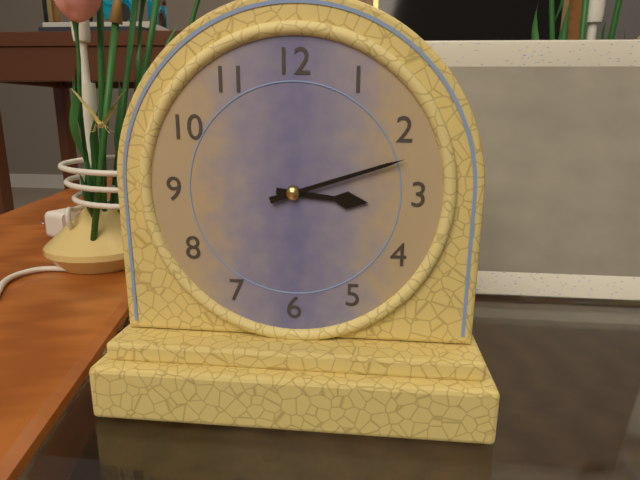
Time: h=3 m=12
